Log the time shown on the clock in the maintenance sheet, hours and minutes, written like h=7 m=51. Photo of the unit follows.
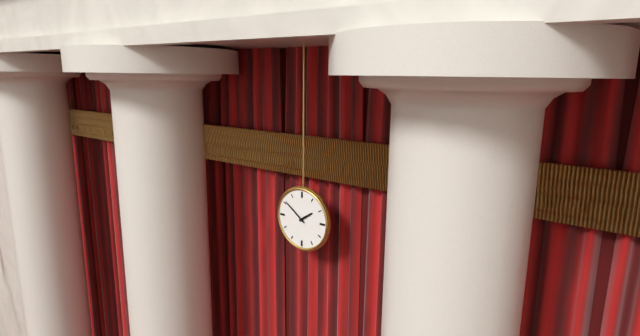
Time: h=1 m=51
